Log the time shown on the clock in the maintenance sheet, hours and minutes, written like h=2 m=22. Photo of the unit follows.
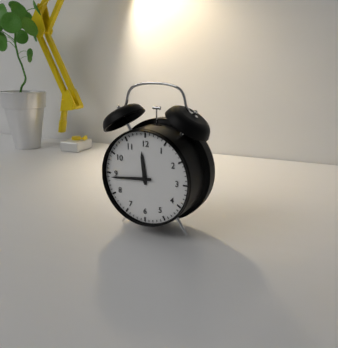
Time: h=11 m=44
